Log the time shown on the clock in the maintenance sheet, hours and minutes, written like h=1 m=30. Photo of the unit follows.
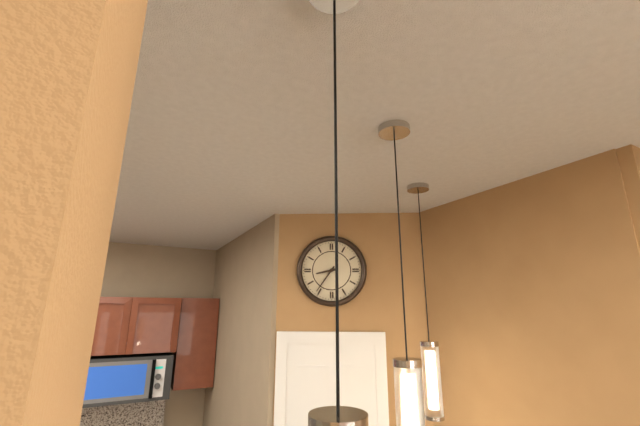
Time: h=8 m=36
